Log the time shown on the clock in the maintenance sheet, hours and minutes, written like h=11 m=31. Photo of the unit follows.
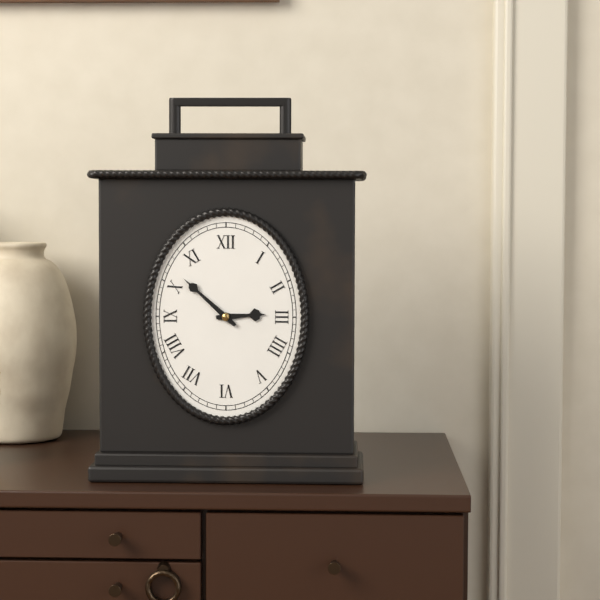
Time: h=2 m=52
